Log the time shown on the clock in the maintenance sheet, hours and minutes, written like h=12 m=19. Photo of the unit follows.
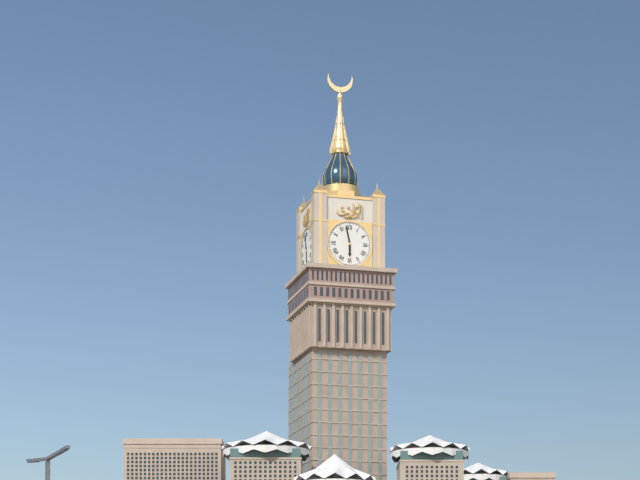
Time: h=5 m=58
